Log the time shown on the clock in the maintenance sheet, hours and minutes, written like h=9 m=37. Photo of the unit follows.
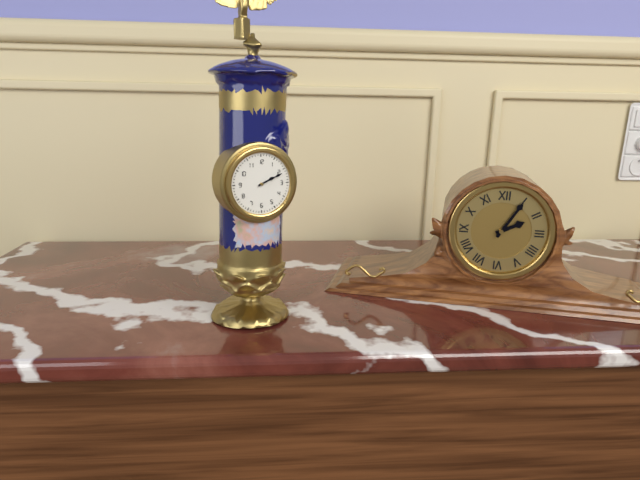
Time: h=2 m=11
